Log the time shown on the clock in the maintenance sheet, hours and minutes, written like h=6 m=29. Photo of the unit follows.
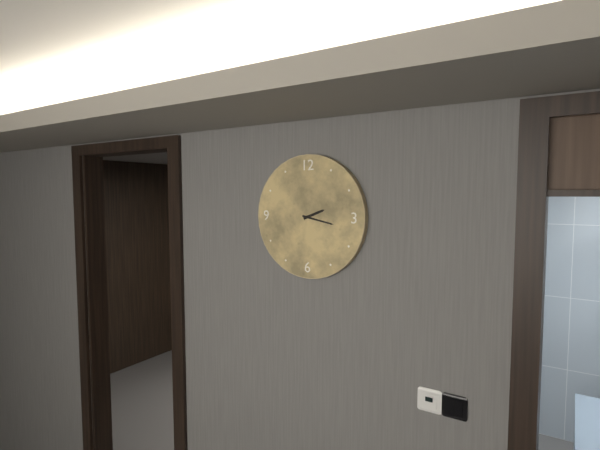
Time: h=2 m=17
